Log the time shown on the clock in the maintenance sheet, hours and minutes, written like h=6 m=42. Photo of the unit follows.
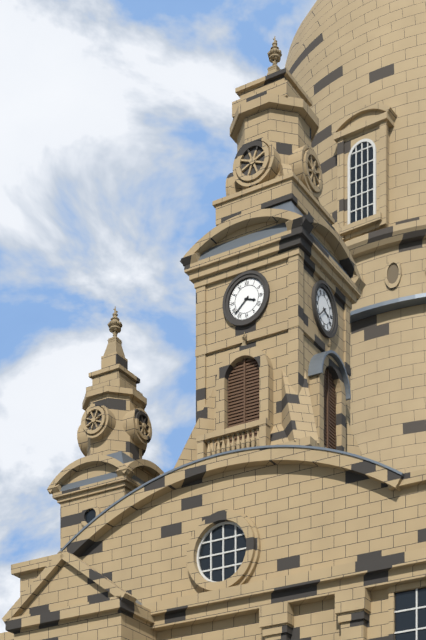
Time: h=3 m=38
